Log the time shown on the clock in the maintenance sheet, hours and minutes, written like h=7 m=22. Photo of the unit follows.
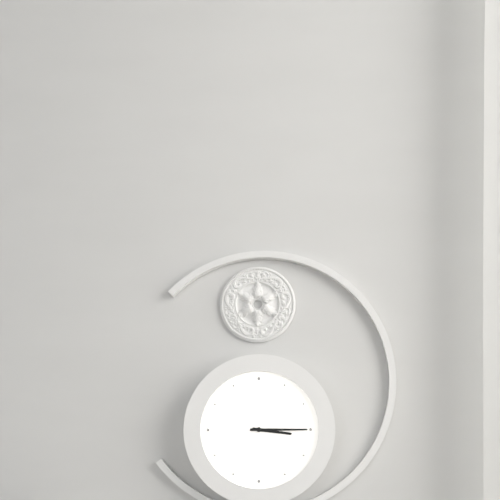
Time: h=3 m=15
